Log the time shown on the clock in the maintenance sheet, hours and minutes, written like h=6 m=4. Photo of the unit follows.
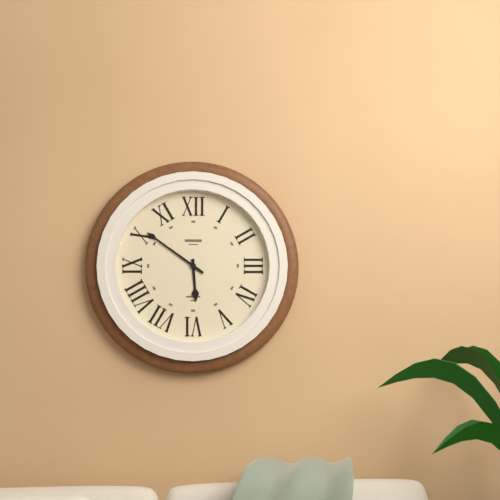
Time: h=5 m=51
